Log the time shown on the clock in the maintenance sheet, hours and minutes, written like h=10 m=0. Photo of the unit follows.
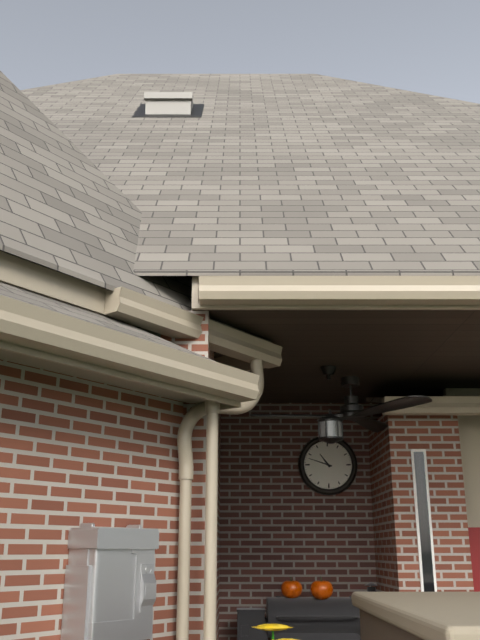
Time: h=10 m=48
